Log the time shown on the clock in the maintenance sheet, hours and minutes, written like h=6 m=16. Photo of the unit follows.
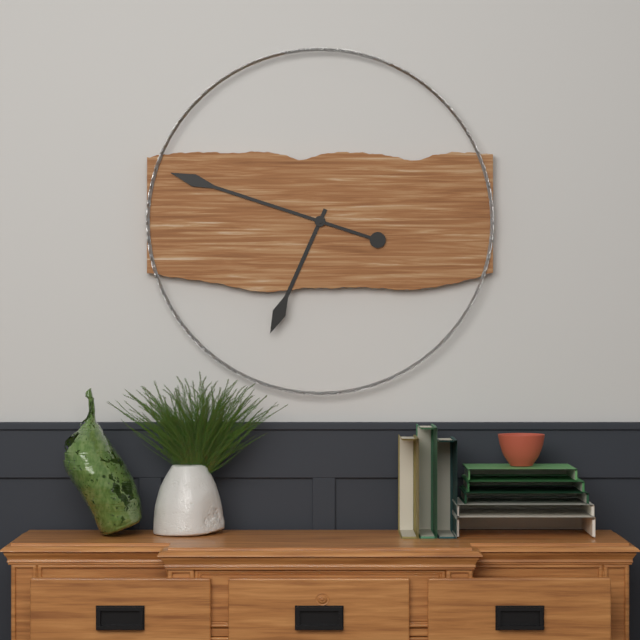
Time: h=6 m=48
